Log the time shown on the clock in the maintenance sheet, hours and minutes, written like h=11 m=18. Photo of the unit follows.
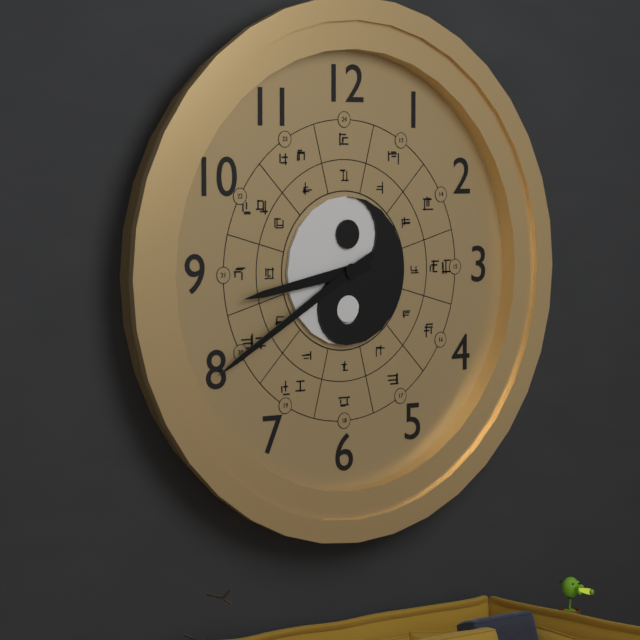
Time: h=8 m=40
